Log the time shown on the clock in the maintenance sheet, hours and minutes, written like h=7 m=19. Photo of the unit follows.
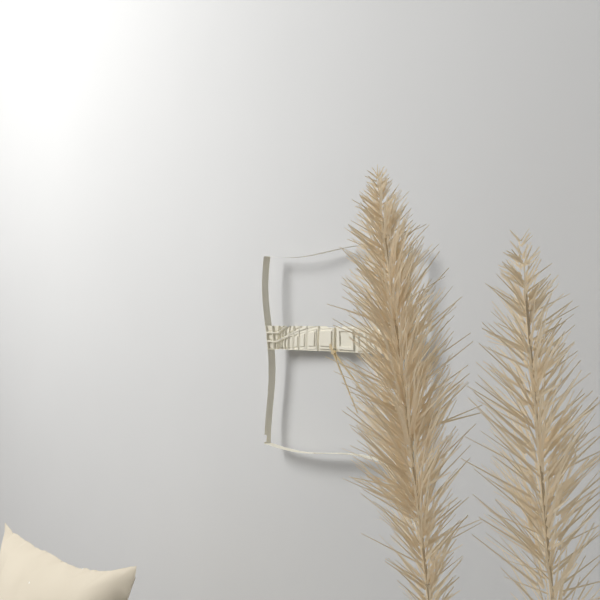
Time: h=4 m=25
